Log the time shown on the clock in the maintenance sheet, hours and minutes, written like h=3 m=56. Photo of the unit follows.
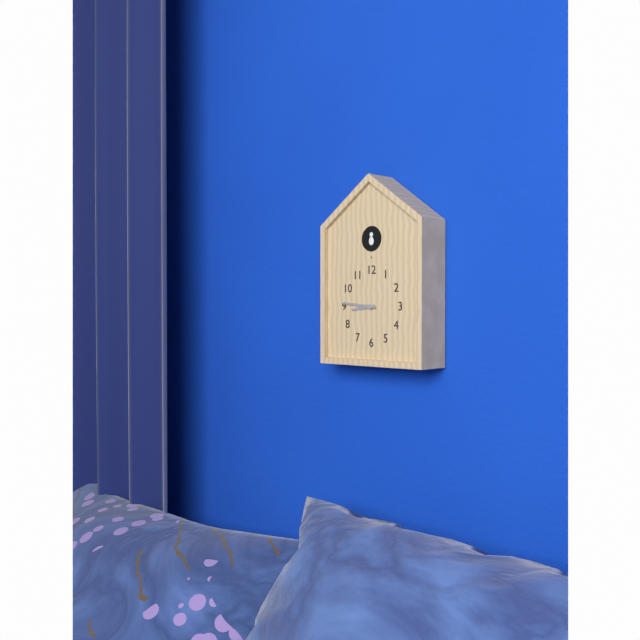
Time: h=8 m=46
